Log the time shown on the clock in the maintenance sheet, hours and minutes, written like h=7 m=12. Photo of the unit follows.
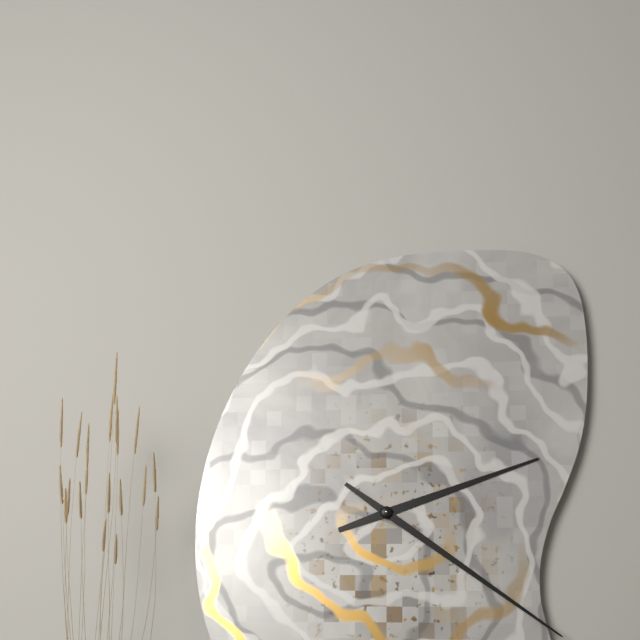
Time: h=2 m=21
